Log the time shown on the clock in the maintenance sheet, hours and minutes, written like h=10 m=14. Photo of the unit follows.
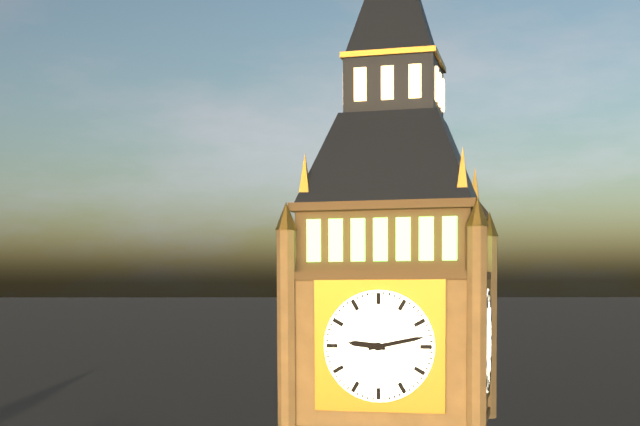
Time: h=9 m=13
